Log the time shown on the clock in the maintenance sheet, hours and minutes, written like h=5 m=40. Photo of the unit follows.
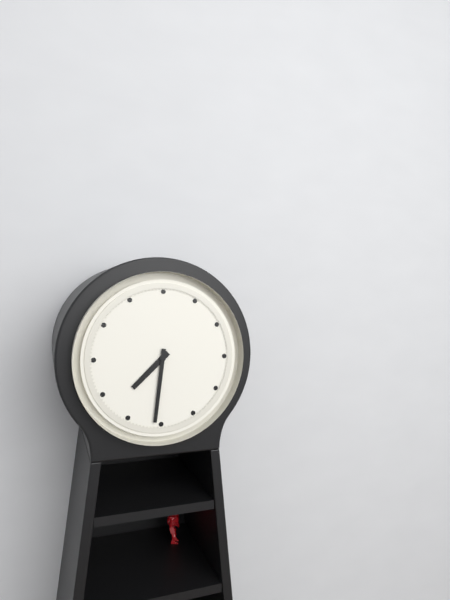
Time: h=7 m=31
